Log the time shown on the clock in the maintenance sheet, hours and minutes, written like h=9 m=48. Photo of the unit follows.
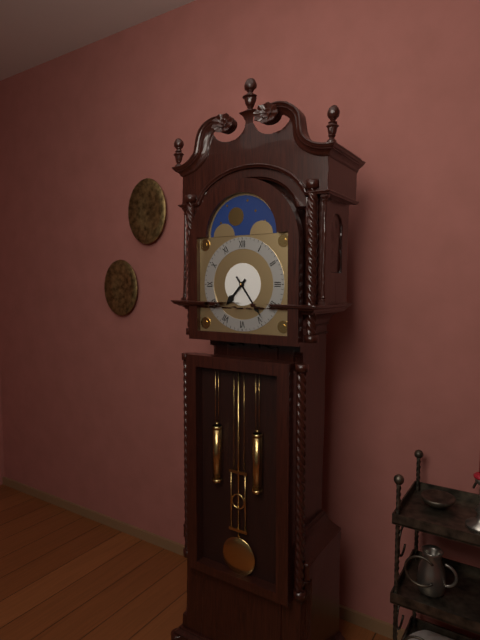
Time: h=7 m=24
